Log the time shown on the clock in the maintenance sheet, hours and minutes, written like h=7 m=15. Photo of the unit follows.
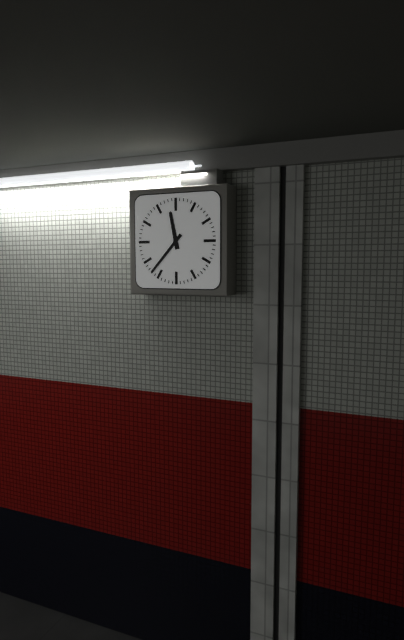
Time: h=11 m=37
